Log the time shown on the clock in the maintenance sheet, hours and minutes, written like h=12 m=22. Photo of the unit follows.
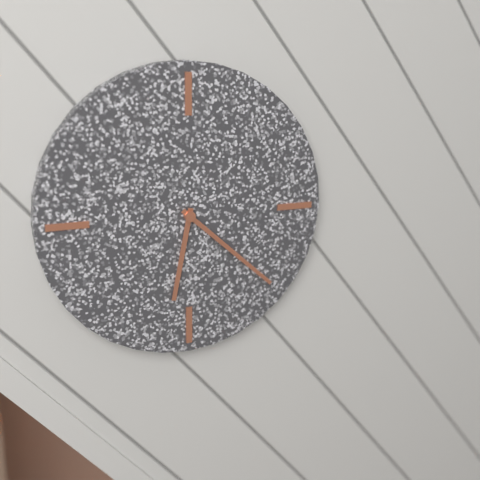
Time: h=6 m=22
